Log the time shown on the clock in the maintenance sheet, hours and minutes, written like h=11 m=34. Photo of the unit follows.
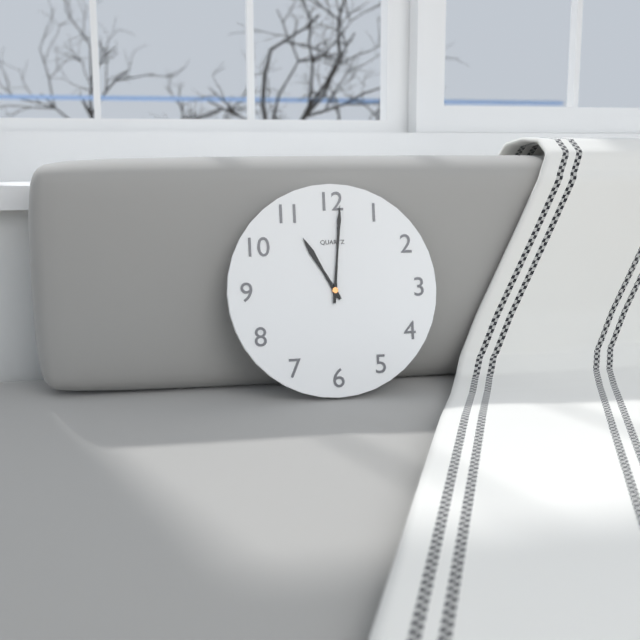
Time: h=11 m=1
